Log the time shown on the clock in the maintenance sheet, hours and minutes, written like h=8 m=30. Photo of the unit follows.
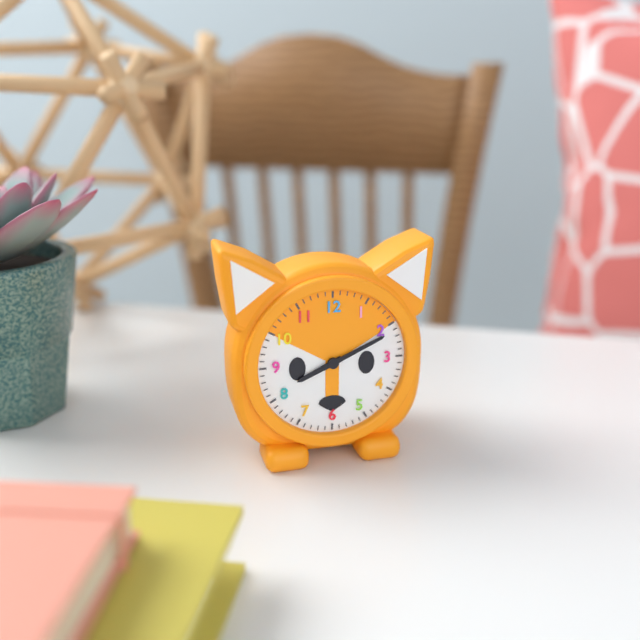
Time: h=8 m=11
